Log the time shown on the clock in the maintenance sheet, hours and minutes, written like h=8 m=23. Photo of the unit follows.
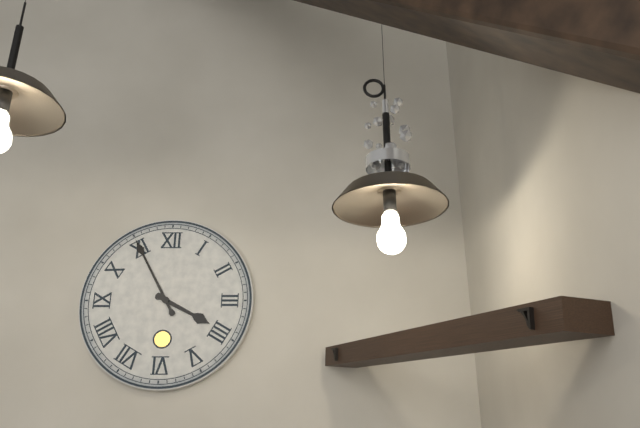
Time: h=3 m=55
